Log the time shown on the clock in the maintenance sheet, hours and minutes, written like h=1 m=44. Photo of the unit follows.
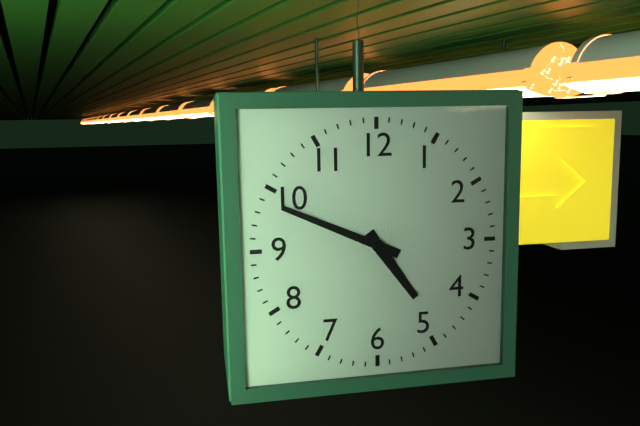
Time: h=4 m=49
